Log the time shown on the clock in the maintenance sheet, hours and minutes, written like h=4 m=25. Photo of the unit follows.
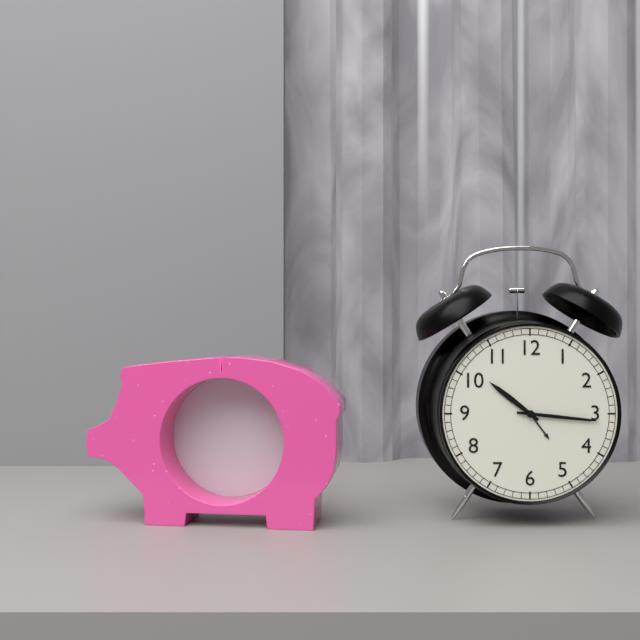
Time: h=10 m=16
